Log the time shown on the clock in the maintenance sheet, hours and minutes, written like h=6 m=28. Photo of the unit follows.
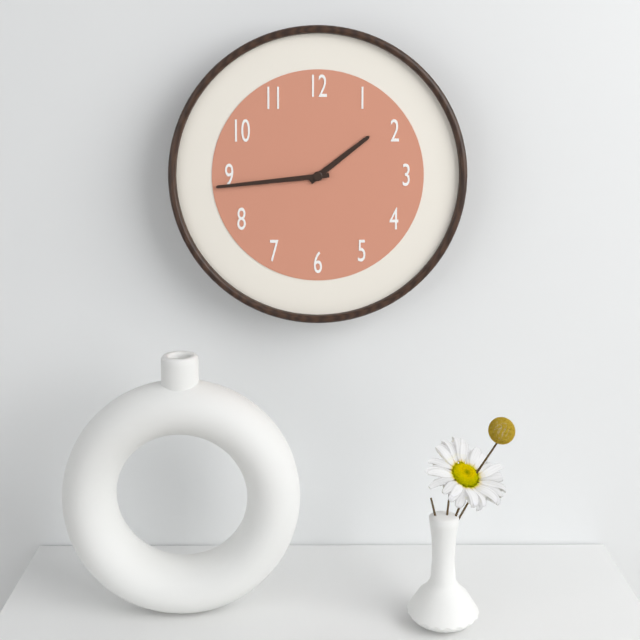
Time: h=1 m=44
